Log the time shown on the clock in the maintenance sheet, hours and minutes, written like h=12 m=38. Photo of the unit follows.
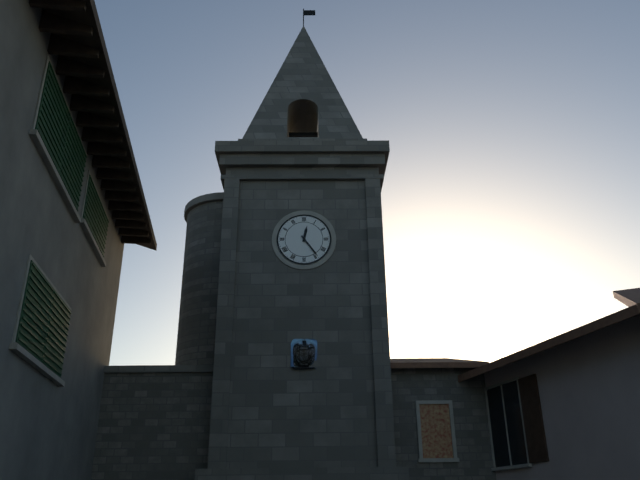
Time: h=12 m=24
